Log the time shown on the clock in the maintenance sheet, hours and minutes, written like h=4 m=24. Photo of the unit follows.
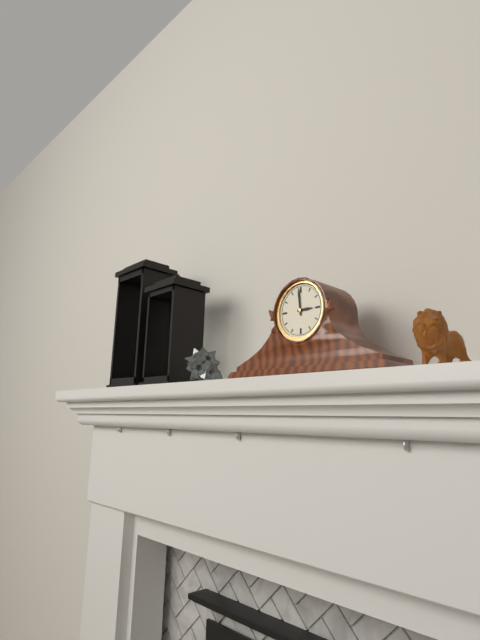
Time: h=2 m=59
